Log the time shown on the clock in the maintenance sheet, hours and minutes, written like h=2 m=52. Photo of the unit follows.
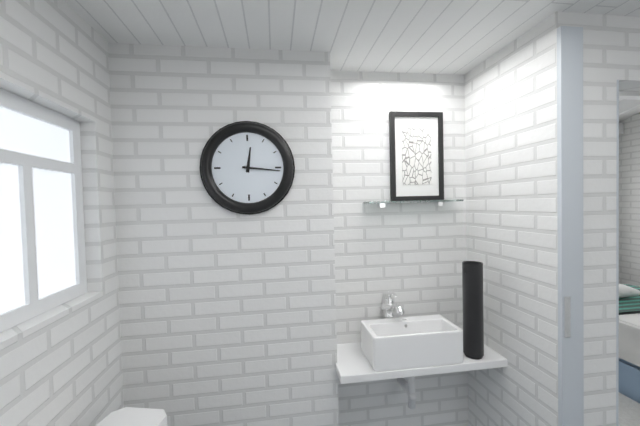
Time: h=12 m=16
